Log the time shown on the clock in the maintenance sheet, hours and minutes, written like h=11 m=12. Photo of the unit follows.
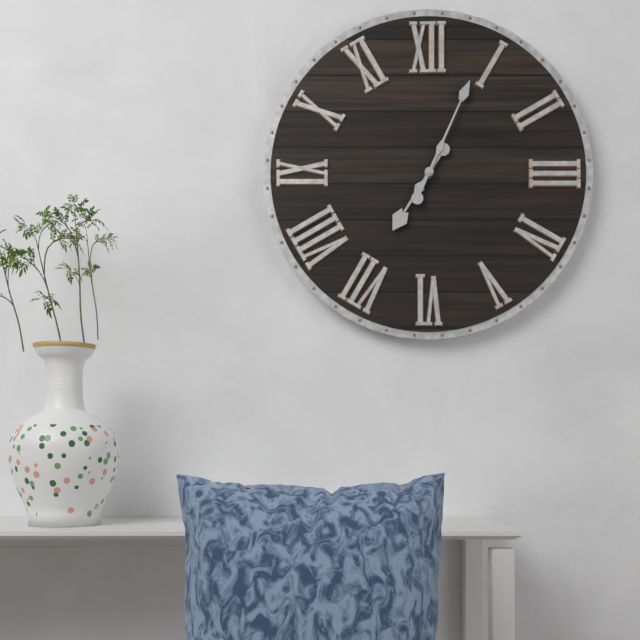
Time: h=7 m=4
